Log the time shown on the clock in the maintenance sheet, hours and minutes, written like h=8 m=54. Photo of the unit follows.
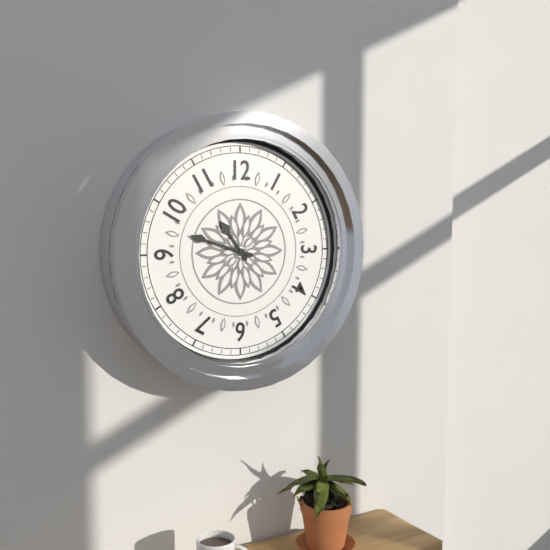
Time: h=10 m=48
